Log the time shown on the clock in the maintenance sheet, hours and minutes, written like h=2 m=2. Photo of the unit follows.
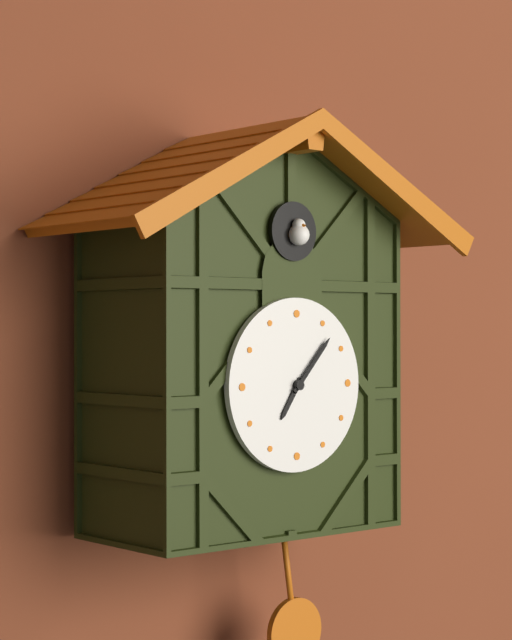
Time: h=7 m=7
